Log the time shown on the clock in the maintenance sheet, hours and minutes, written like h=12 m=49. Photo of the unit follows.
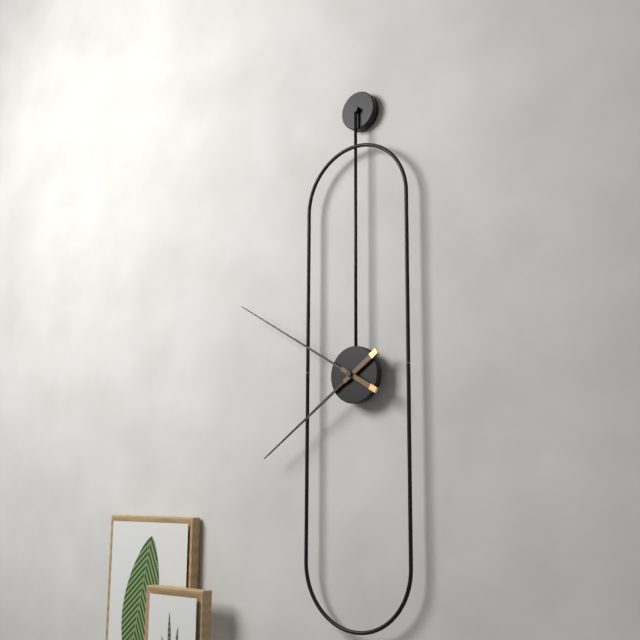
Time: h=7 m=50
